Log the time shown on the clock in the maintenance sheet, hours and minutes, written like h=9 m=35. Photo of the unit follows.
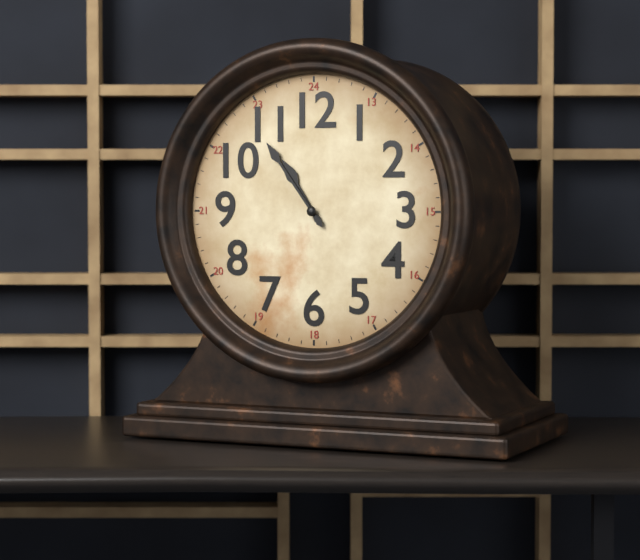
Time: h=10 m=54
